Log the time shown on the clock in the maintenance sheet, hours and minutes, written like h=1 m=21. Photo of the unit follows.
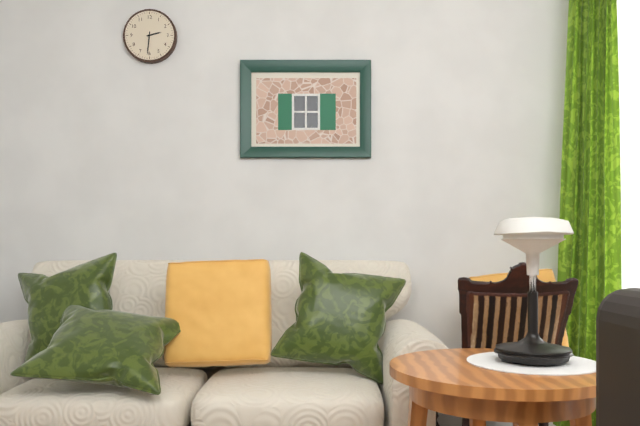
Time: h=2 m=31
